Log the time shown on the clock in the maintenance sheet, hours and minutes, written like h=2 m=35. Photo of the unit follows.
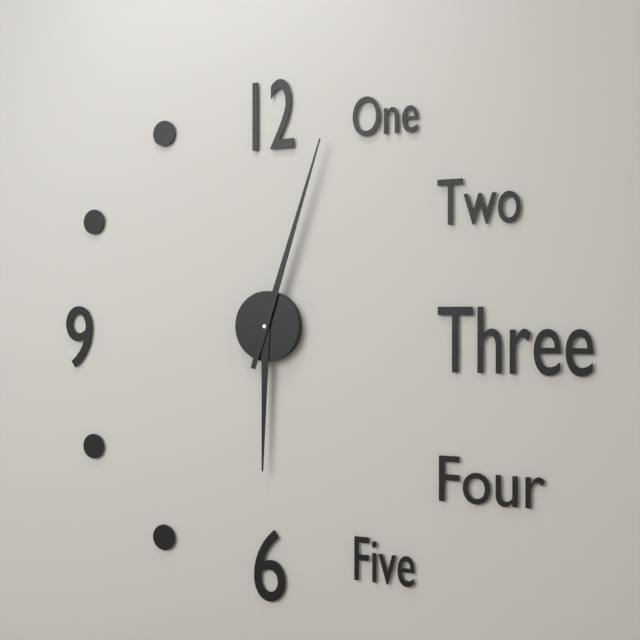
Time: h=6 m=3
